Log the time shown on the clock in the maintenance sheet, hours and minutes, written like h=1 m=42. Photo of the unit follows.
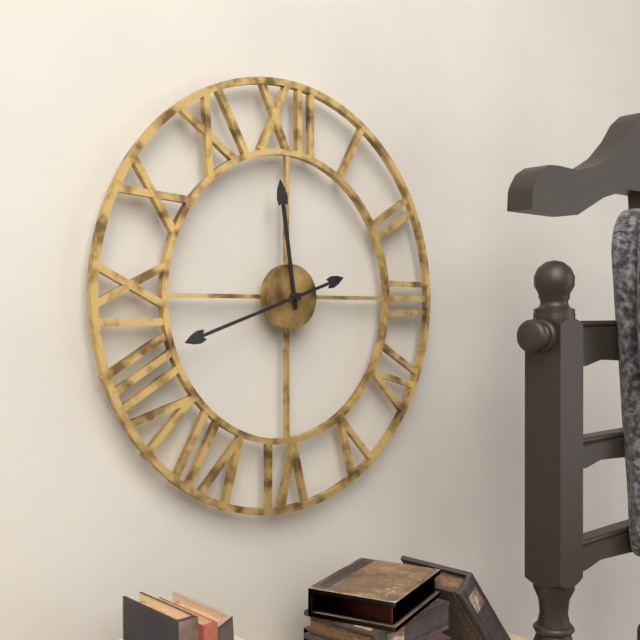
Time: h=11 m=42
